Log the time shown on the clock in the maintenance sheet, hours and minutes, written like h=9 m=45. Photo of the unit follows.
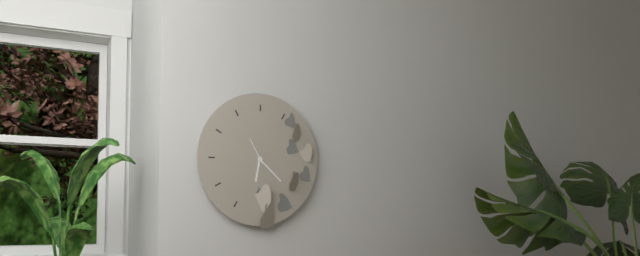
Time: h=6 m=22
